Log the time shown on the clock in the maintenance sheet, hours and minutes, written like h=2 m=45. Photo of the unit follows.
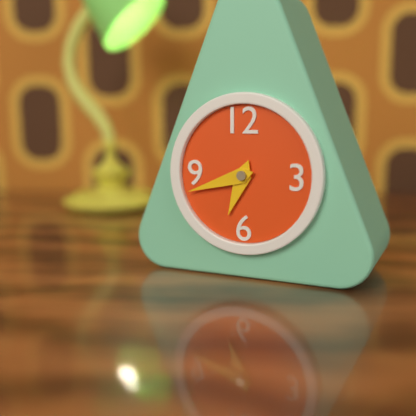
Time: h=6 m=42
